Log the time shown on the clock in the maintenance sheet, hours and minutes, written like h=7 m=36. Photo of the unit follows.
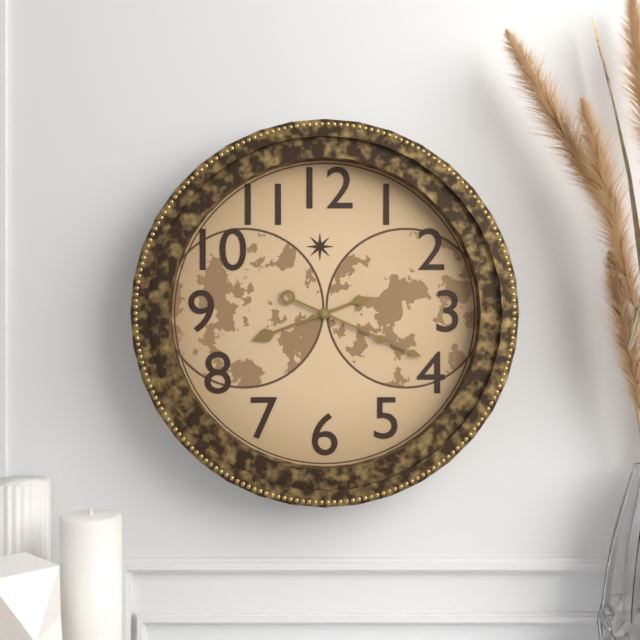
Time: h=8 m=19
